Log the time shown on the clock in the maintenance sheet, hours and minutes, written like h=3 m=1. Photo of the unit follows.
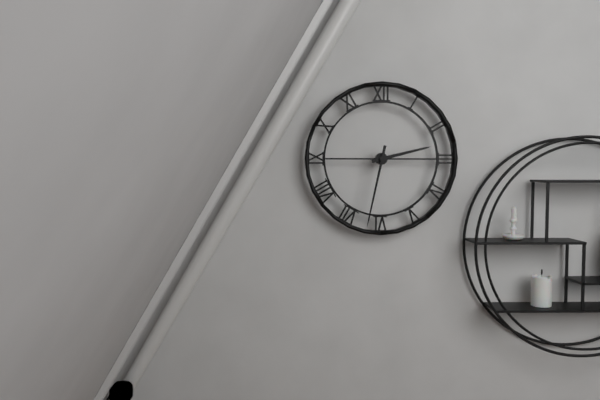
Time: h=2 m=32
